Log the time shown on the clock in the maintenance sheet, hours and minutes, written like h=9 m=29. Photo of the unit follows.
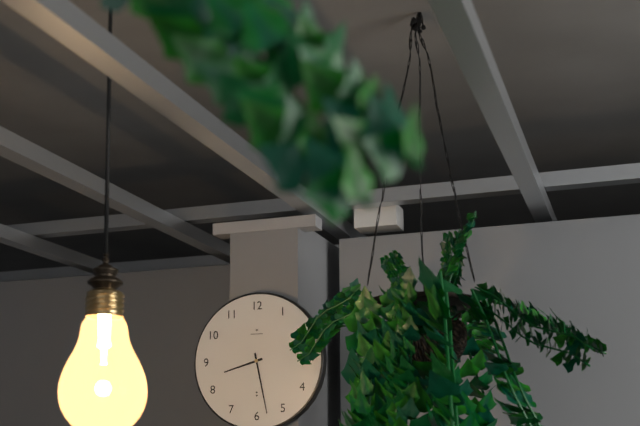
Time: h=8 m=28
